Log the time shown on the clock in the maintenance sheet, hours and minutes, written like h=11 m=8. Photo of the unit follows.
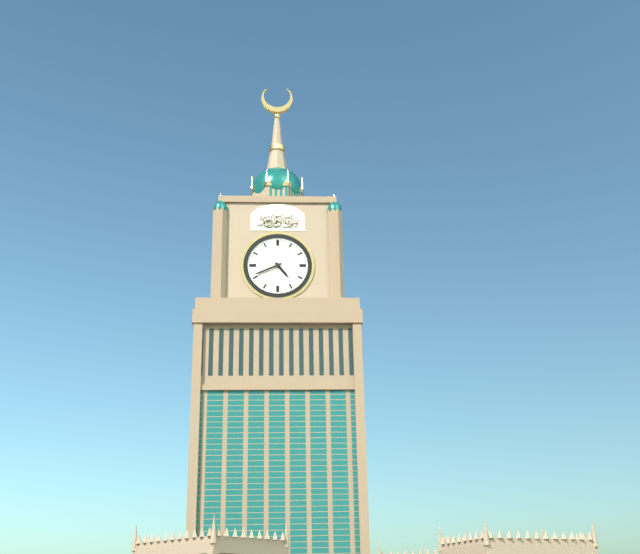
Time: h=4 m=41
